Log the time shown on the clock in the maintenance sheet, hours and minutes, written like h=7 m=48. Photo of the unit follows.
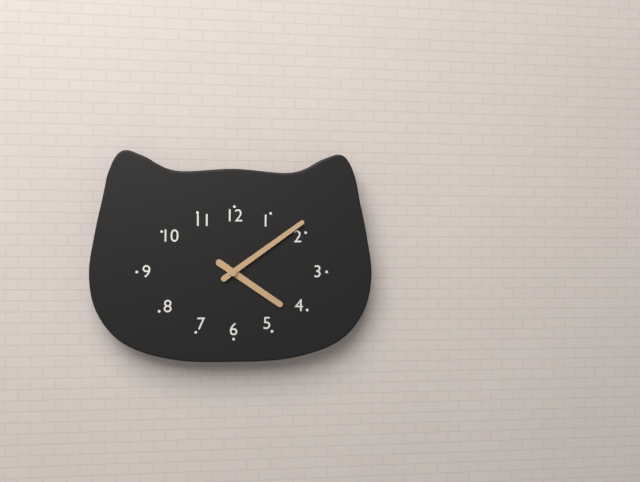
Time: h=4 m=9
